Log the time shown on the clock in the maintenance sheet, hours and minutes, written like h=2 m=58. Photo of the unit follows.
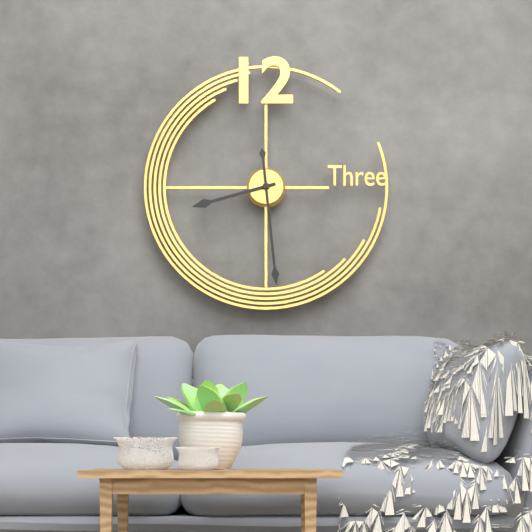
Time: h=8 m=29
